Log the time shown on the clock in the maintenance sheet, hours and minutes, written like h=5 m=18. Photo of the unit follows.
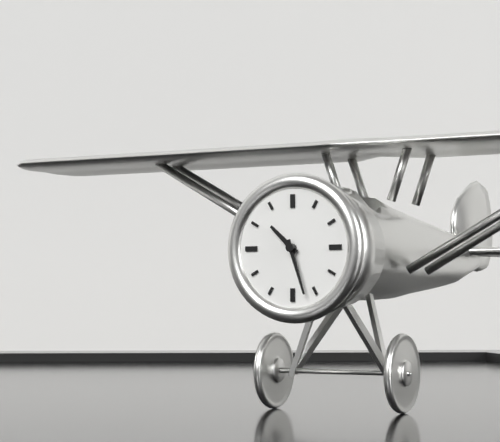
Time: h=10 m=27
